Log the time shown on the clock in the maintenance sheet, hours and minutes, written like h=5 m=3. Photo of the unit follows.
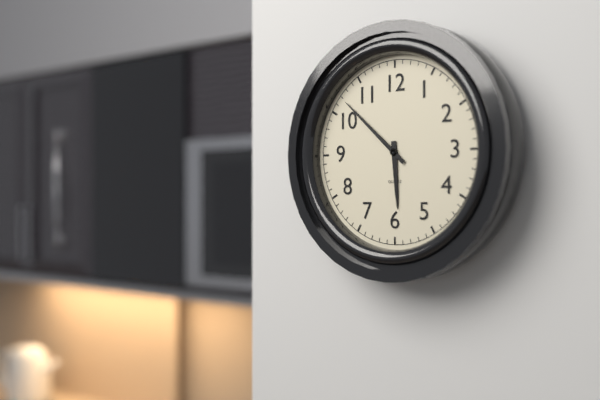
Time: h=5 m=52
